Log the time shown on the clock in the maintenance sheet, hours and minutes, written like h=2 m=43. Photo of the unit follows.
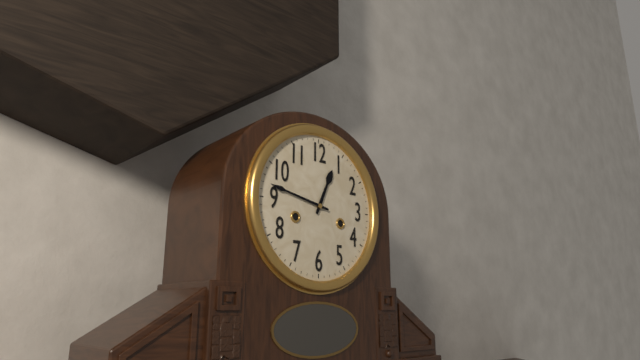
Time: h=12 m=47
